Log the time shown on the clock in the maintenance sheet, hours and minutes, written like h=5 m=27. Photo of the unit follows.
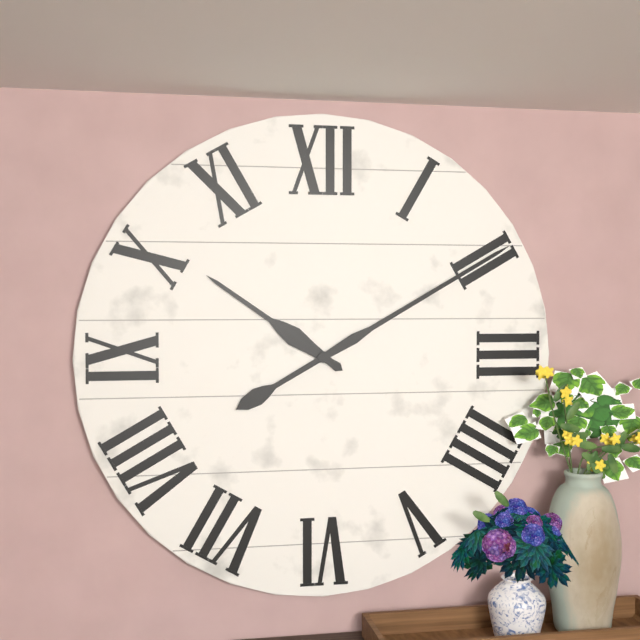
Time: h=10 m=10
